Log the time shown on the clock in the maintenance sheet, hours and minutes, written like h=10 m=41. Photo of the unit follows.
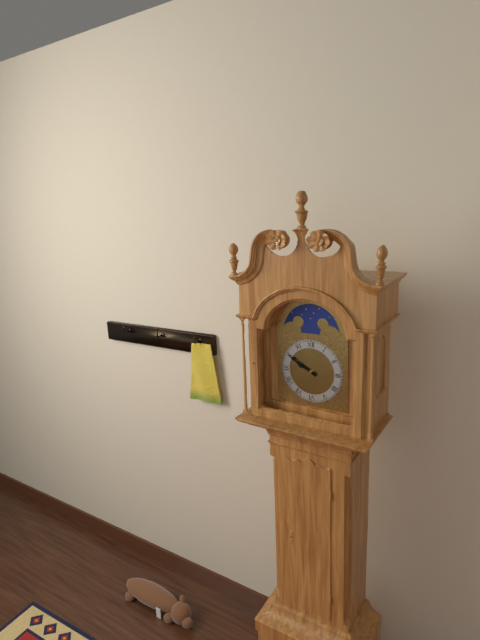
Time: h=9 m=50
